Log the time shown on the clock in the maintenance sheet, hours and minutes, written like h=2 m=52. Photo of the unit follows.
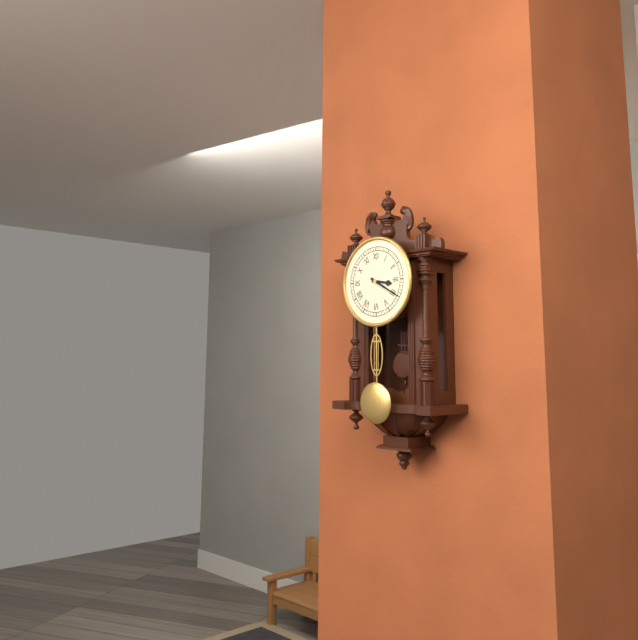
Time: h=3 m=20
